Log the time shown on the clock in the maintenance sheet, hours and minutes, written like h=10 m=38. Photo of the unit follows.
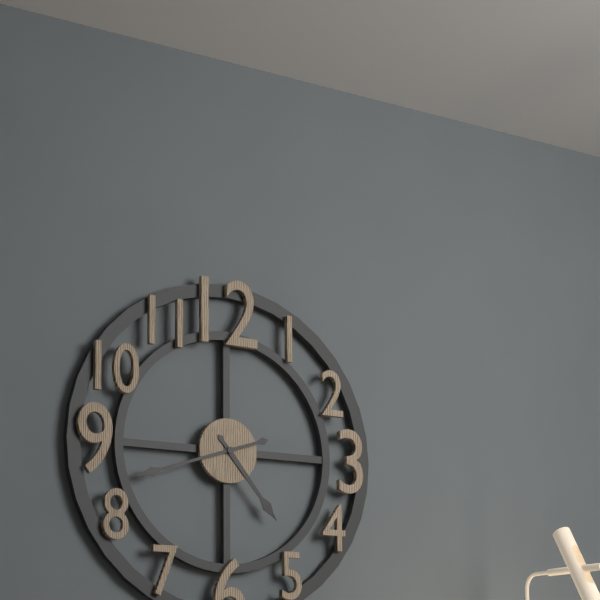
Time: h=4 m=42
